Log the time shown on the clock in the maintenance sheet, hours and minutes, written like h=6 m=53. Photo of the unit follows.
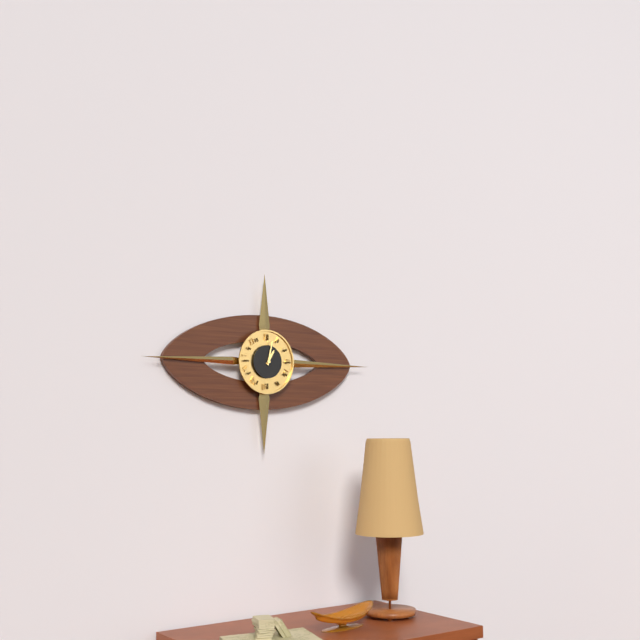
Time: h=1 m=2
